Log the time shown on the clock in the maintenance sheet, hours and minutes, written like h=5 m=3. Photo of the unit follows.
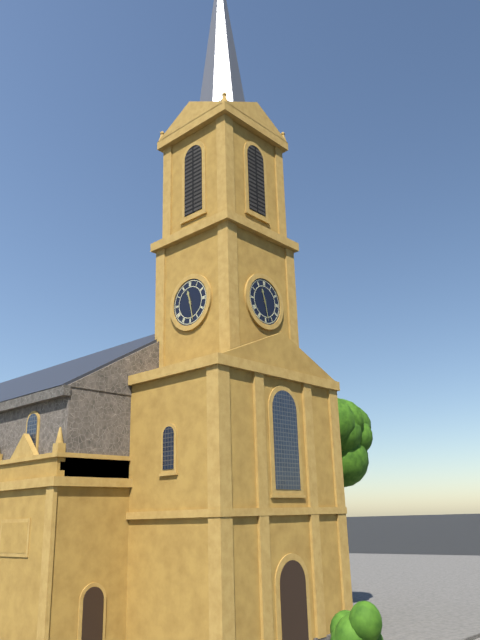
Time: h=11 m=28
